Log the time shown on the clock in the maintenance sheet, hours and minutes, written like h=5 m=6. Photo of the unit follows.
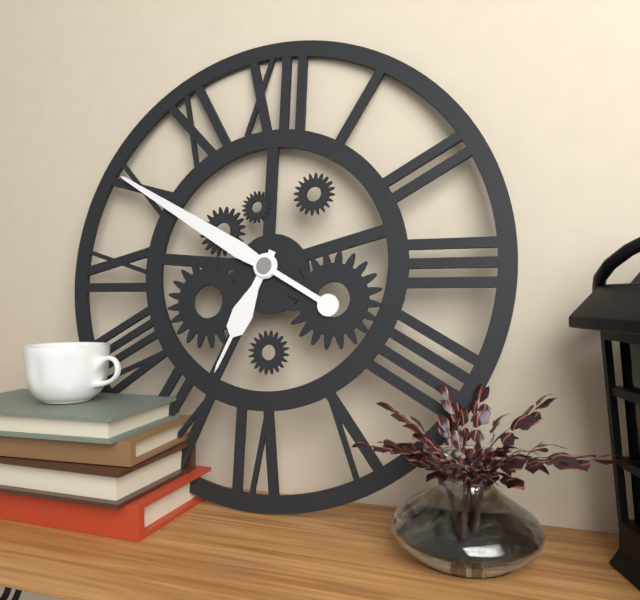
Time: h=6 m=50
